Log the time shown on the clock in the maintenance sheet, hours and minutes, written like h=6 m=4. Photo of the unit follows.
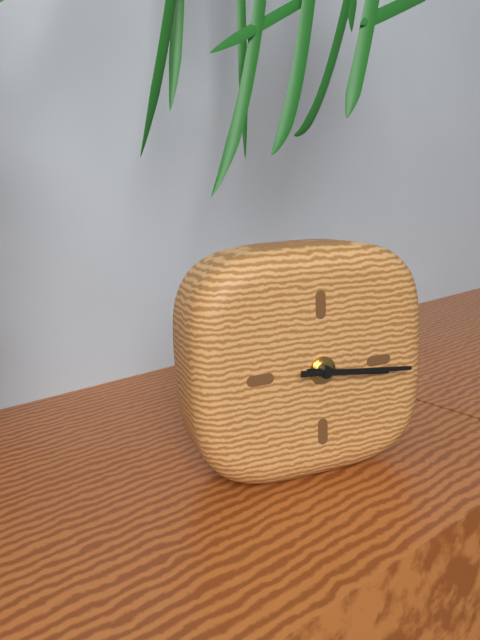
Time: h=3 m=16
